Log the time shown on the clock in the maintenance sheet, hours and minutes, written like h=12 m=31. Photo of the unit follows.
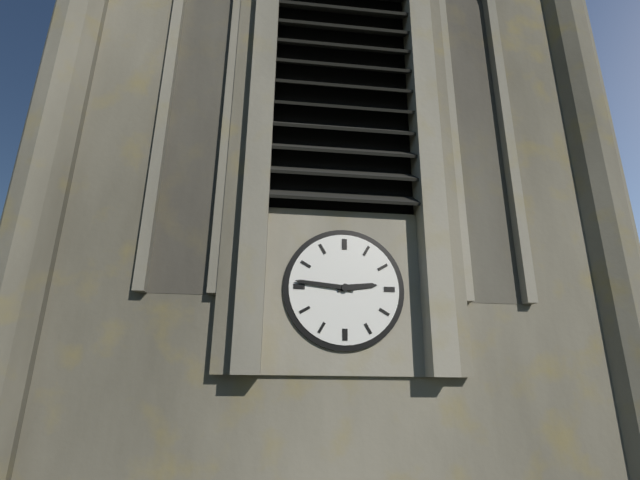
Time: h=2 m=46
